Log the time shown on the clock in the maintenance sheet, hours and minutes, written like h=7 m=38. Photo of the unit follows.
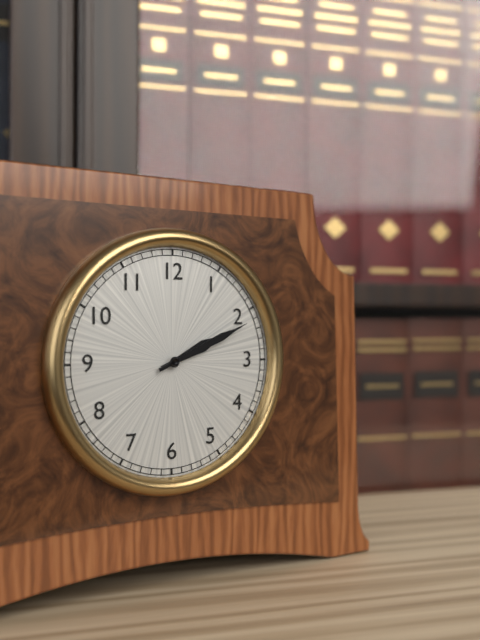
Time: h=2 m=11
